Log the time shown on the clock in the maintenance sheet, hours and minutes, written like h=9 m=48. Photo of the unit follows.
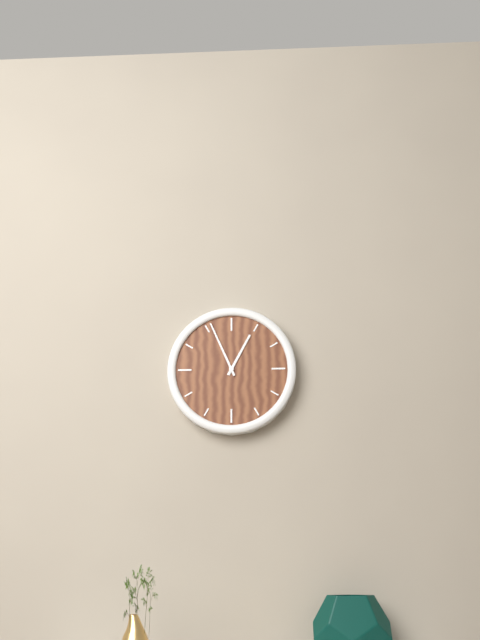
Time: h=12 m=56
